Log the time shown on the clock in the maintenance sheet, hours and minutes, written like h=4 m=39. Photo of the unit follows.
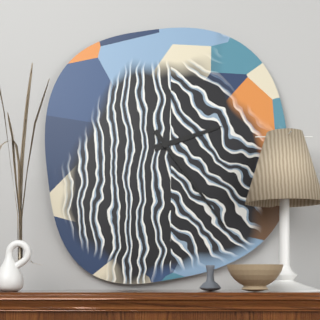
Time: h=2 m=24
